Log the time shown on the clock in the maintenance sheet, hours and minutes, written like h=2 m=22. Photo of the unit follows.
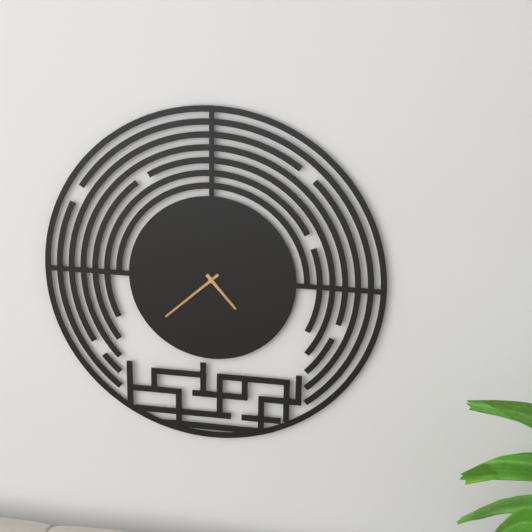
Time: h=4 m=38
